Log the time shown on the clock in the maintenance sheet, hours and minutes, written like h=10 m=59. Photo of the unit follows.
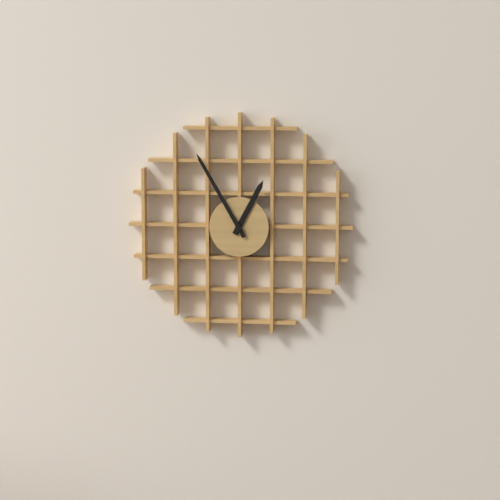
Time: h=12 m=55
